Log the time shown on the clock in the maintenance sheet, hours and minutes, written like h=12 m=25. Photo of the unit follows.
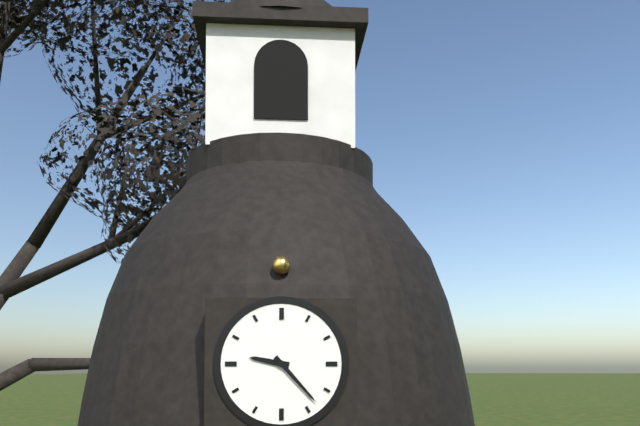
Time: h=9 m=23
